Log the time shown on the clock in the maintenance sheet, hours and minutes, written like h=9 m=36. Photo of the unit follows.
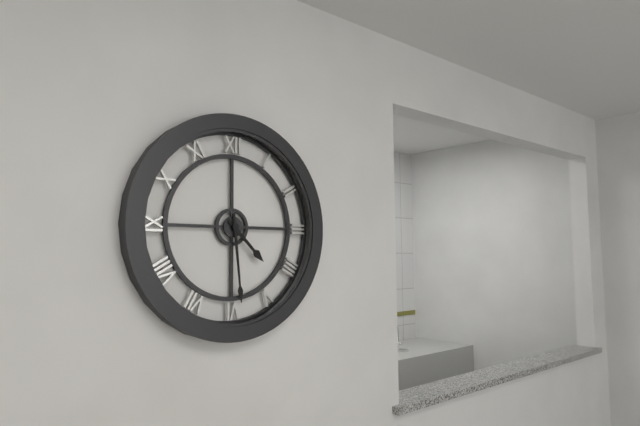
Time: h=4 m=29
